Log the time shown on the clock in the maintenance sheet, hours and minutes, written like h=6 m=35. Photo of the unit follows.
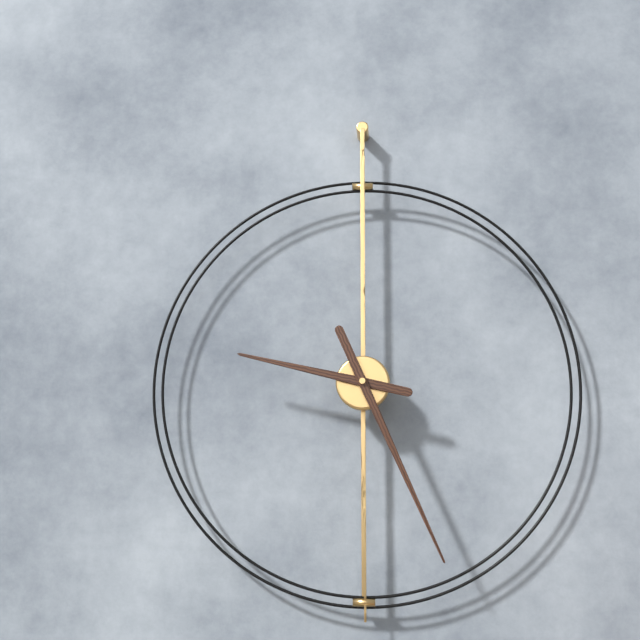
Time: h=9 m=26
